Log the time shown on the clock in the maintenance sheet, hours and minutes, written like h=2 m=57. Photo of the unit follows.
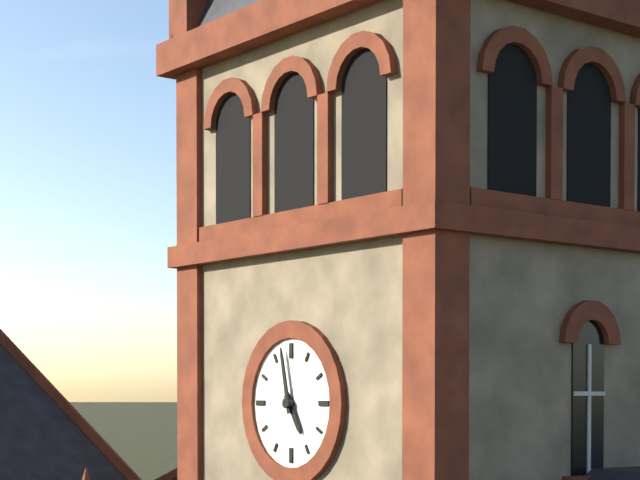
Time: h=4 m=58
